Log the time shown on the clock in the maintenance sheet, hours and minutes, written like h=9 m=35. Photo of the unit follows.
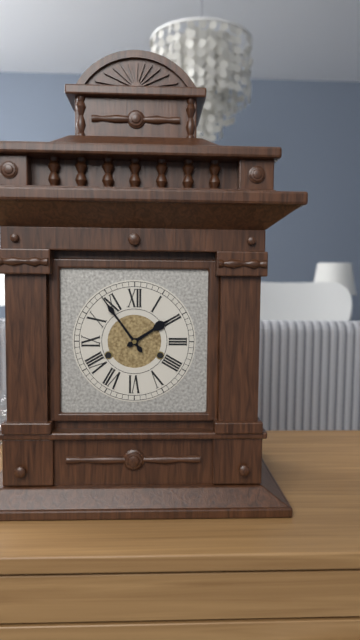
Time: h=1 m=54
